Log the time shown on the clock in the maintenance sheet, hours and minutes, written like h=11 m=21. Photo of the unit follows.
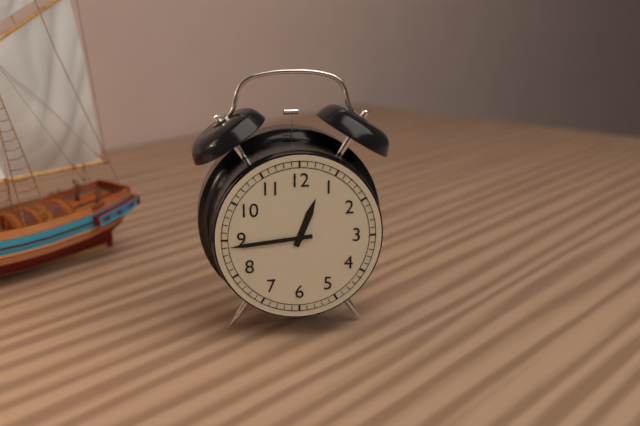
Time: h=12 m=44
